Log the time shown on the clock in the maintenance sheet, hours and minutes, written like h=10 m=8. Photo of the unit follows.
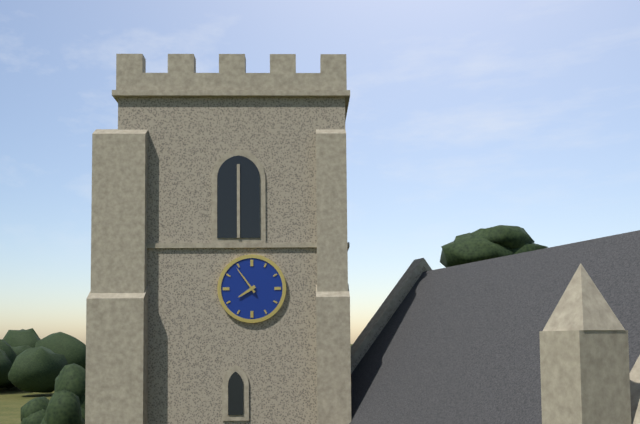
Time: h=7 m=54
